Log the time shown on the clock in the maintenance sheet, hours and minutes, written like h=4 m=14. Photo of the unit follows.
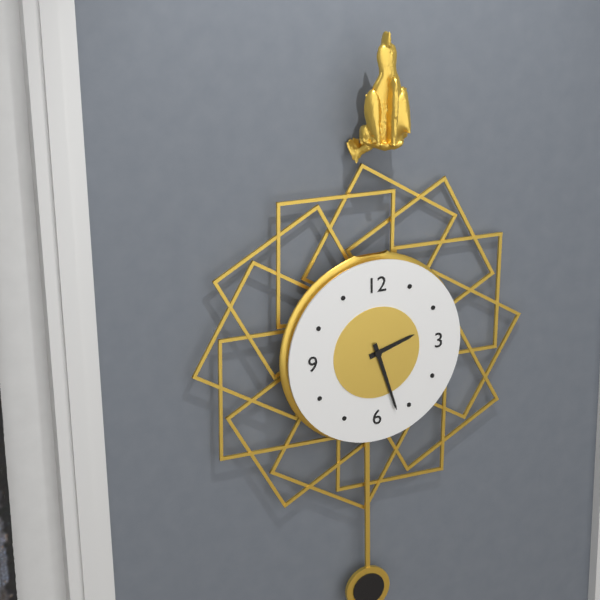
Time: h=2 m=27
